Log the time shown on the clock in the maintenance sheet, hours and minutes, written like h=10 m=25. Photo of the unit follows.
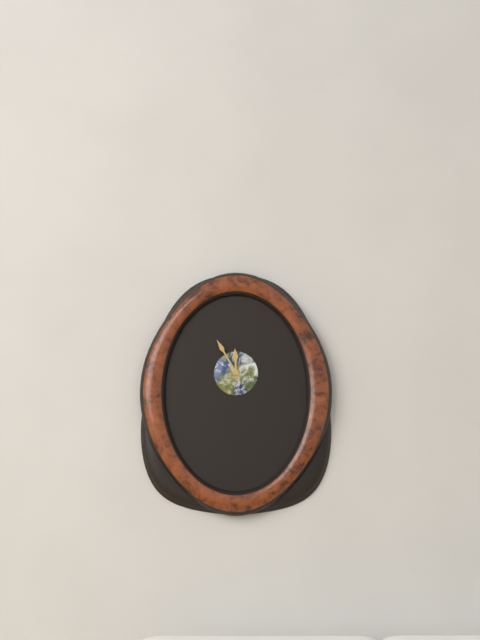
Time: h=11 m=55
